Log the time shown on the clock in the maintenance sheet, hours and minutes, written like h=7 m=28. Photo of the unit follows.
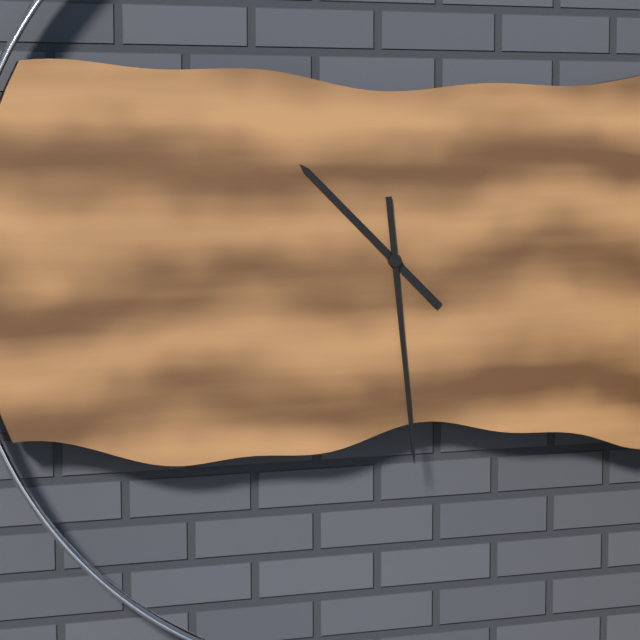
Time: h=10 m=29
